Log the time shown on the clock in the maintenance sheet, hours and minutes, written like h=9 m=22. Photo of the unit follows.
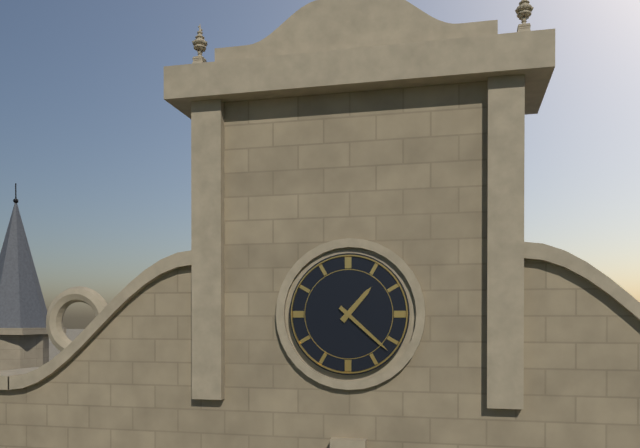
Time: h=1 m=22
